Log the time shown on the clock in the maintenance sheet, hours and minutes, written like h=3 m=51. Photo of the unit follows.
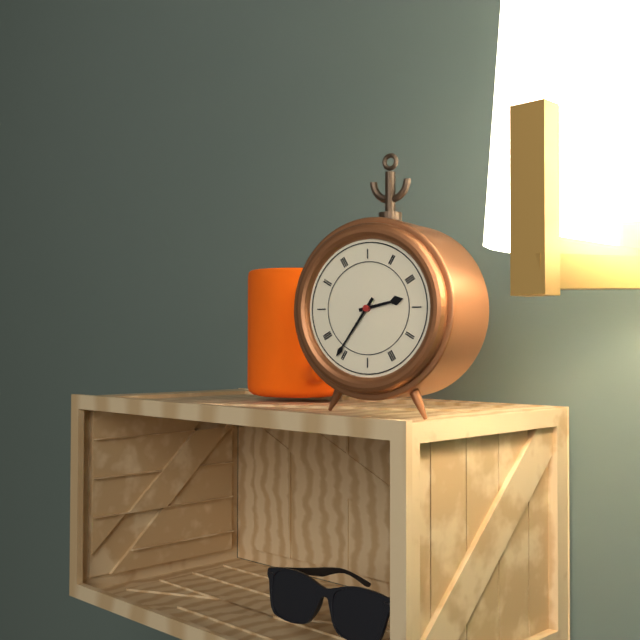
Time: h=2 m=36
